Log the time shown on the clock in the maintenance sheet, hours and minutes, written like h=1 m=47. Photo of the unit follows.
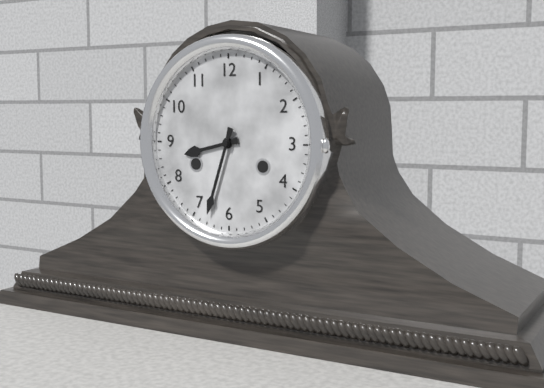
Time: h=8 m=33
